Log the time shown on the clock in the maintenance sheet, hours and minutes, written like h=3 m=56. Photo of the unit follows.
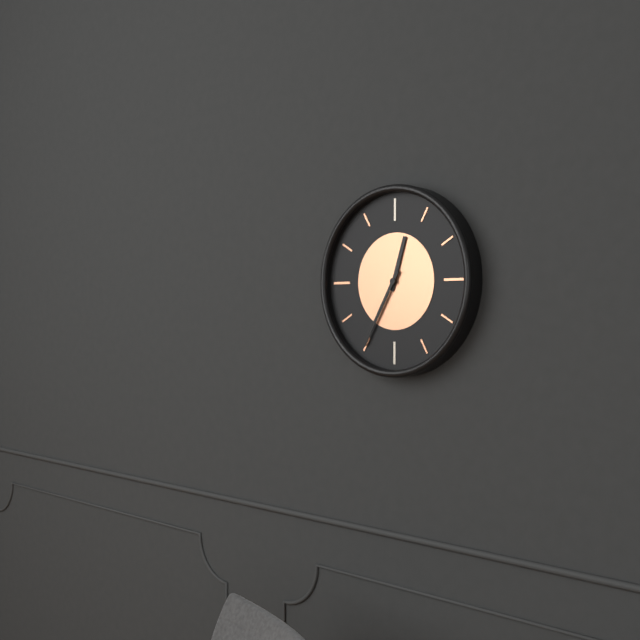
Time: h=12 m=35
